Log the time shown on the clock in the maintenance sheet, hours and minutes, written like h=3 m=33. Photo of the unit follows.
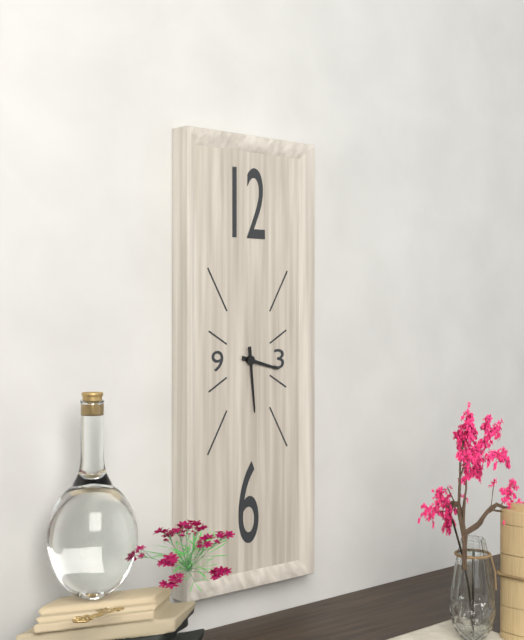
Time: h=3 m=29
